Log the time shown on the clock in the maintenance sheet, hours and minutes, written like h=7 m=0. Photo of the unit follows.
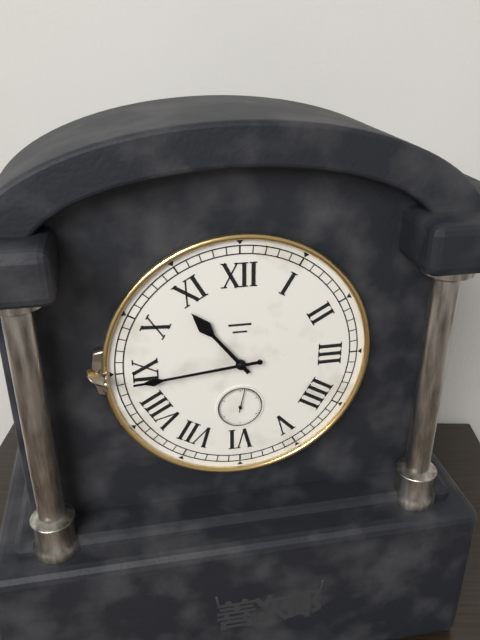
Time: h=10 m=44
